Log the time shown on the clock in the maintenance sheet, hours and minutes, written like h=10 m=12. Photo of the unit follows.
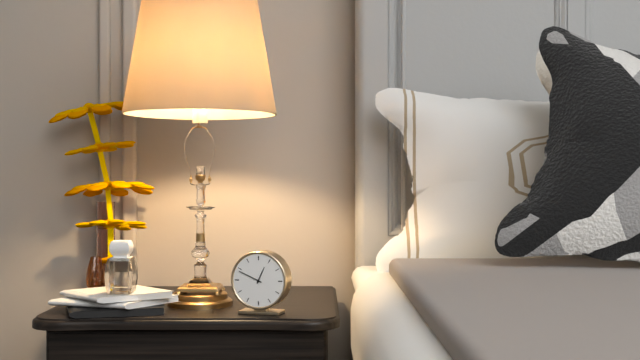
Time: h=12 m=49
